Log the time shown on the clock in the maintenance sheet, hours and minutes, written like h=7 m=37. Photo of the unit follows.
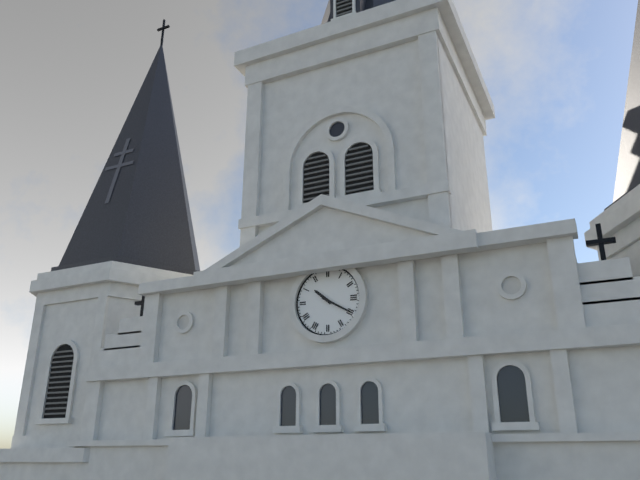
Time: h=10 m=20
